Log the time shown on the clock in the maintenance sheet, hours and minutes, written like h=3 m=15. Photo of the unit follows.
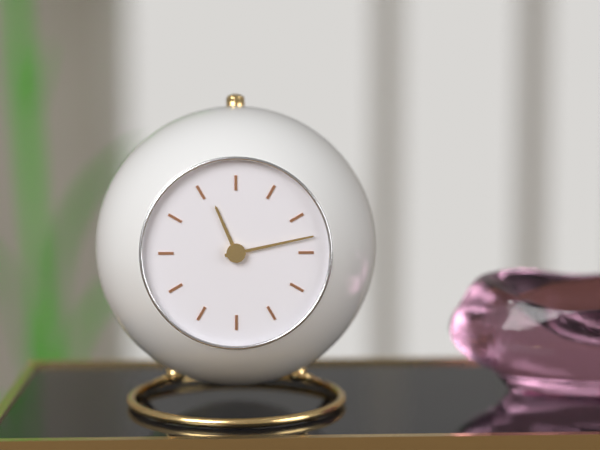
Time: h=11 m=13
